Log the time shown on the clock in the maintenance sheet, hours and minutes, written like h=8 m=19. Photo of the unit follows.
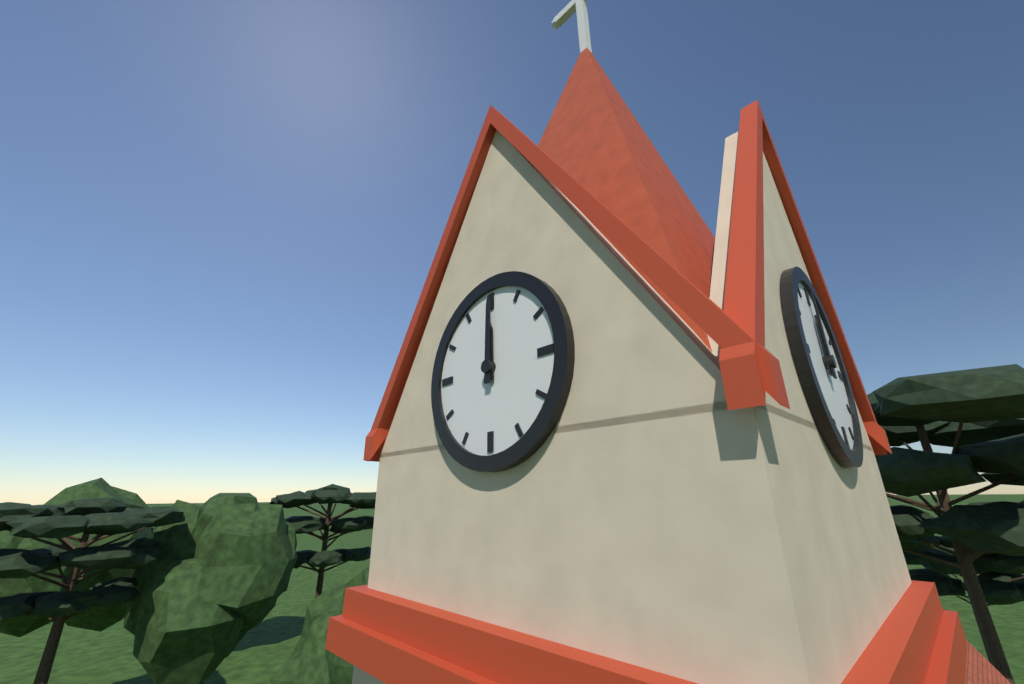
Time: h=12 m=0
